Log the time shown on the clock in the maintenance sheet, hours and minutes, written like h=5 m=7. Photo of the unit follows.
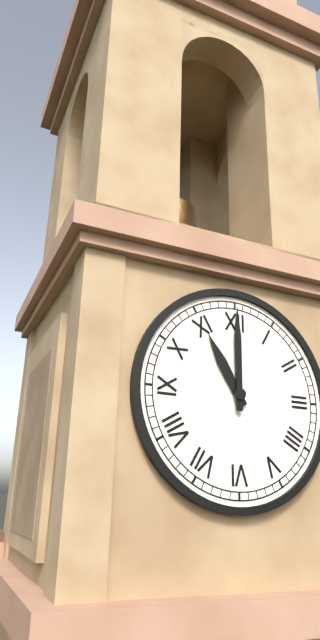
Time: h=11 m=0
